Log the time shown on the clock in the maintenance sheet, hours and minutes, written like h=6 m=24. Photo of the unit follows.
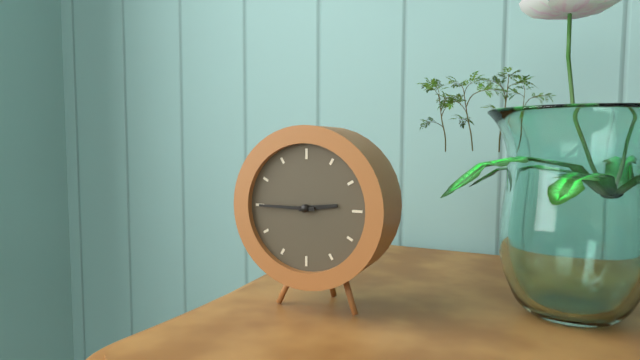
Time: h=2 m=45
